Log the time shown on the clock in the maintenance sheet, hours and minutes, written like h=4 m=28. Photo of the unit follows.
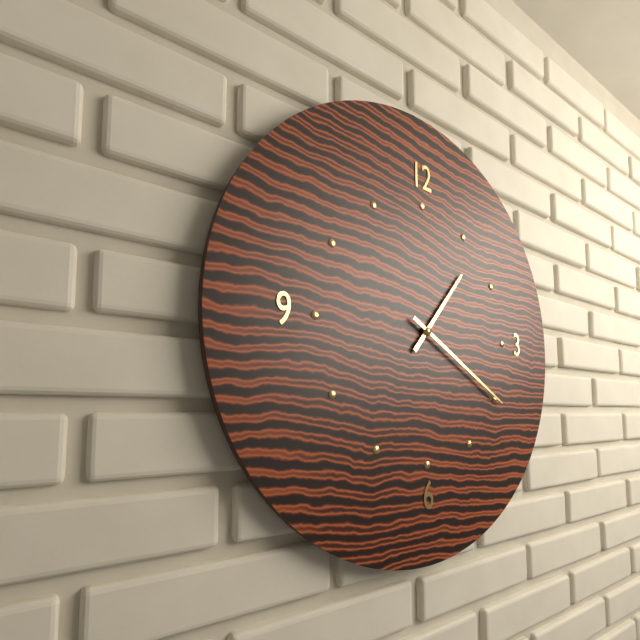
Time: h=1 m=20
